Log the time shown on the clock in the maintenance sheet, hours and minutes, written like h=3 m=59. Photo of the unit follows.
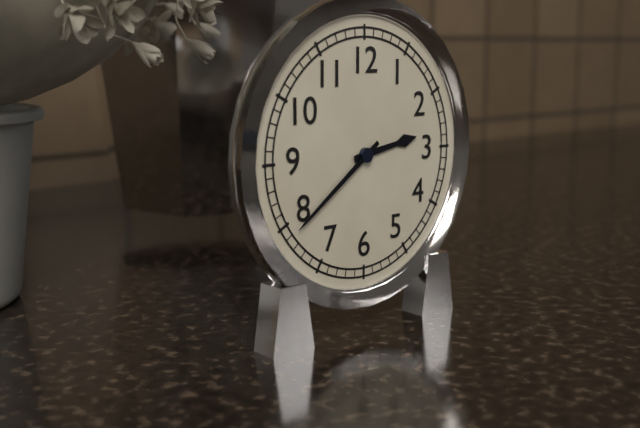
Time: h=2 m=39
